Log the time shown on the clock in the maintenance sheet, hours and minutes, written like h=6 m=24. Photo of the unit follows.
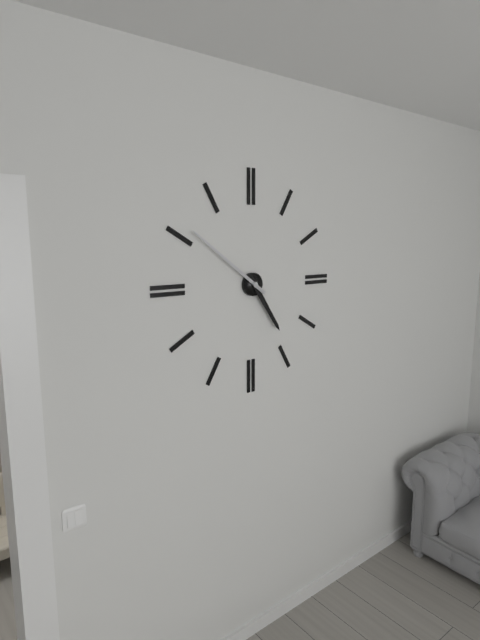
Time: h=4 m=51
